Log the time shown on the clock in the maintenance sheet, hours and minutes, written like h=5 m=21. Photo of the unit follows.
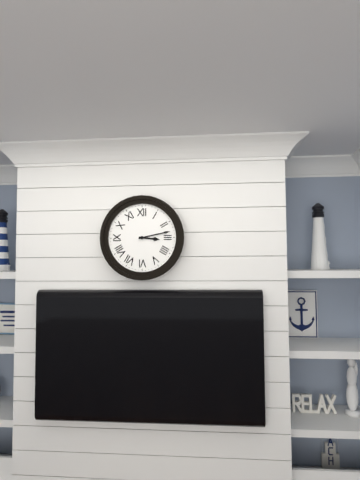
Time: h=3 m=13
